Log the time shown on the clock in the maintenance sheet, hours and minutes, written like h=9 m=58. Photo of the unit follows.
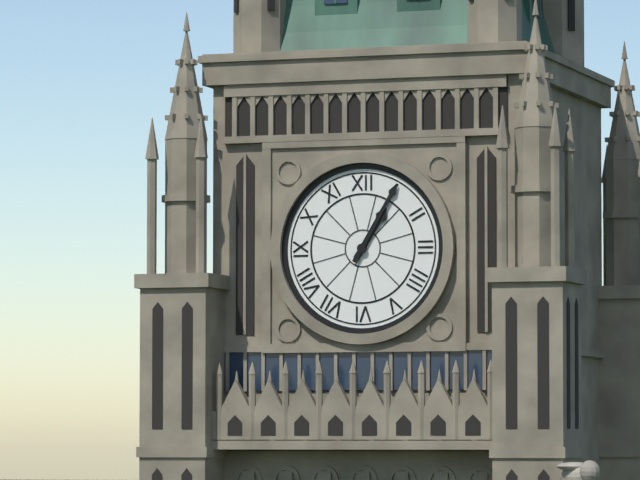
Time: h=1 m=5
